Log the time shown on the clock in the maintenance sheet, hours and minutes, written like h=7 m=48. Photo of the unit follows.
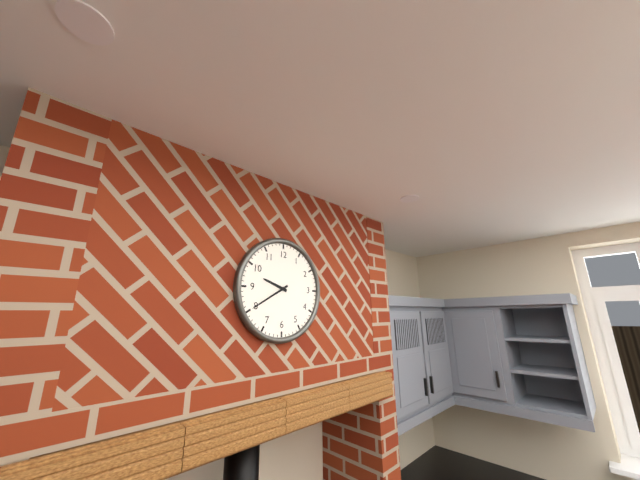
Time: h=9 m=40
